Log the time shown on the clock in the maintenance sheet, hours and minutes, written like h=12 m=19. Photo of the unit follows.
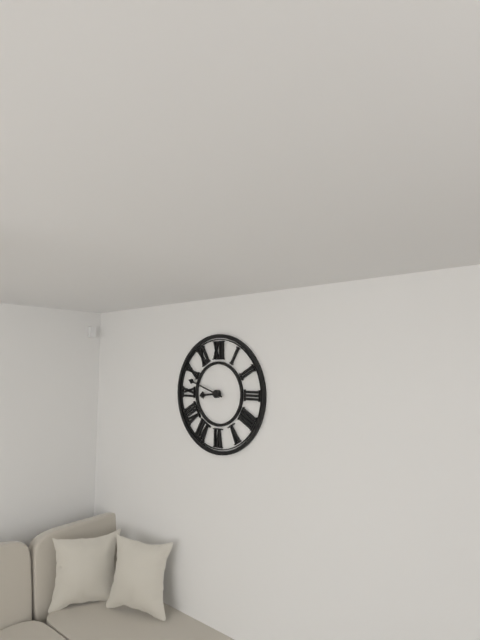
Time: h=8 m=48
